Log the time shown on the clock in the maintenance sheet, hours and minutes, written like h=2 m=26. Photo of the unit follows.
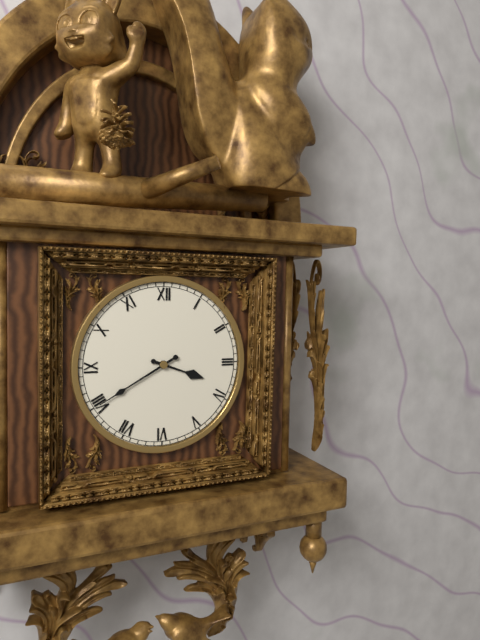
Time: h=3 m=40
